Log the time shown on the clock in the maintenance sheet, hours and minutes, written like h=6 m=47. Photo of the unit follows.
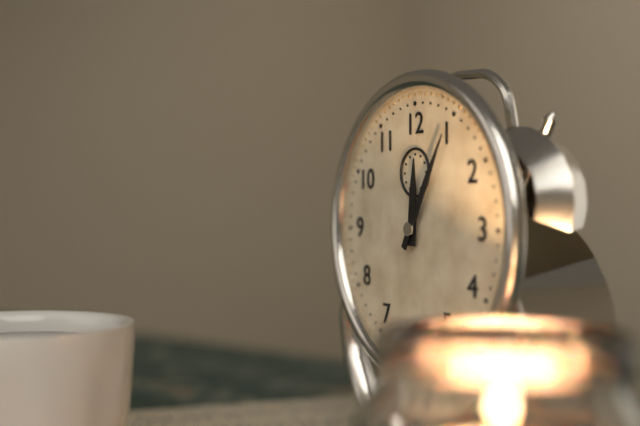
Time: h=12 m=5
